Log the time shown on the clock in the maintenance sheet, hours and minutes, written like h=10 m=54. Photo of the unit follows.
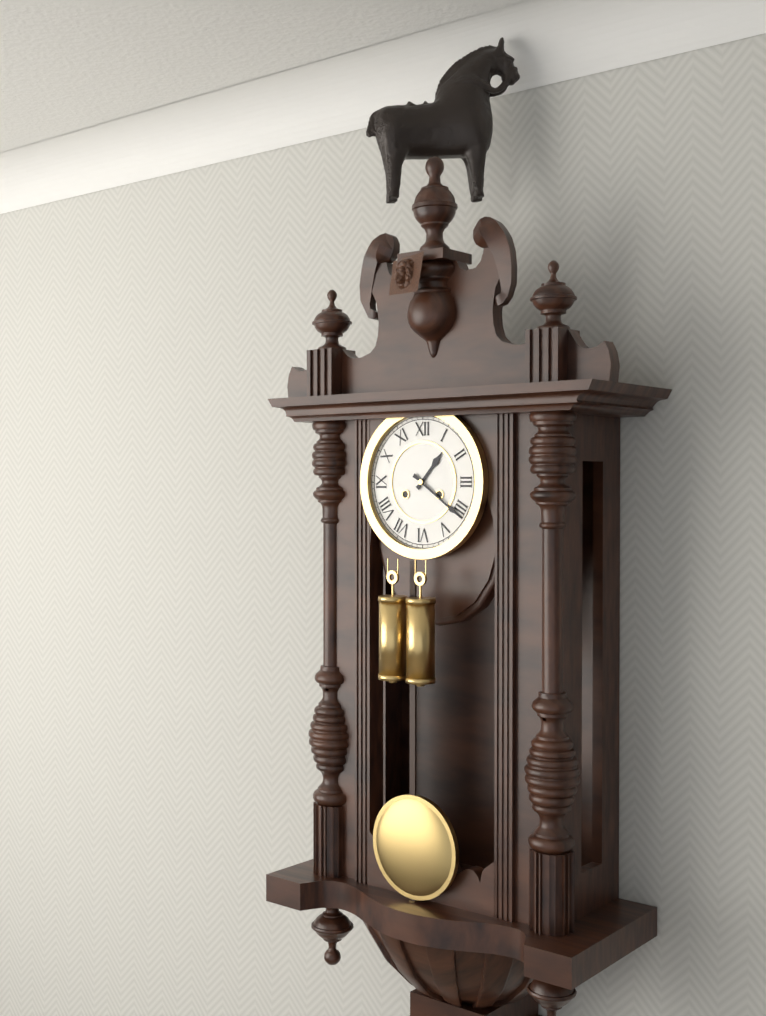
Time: h=1 m=21
